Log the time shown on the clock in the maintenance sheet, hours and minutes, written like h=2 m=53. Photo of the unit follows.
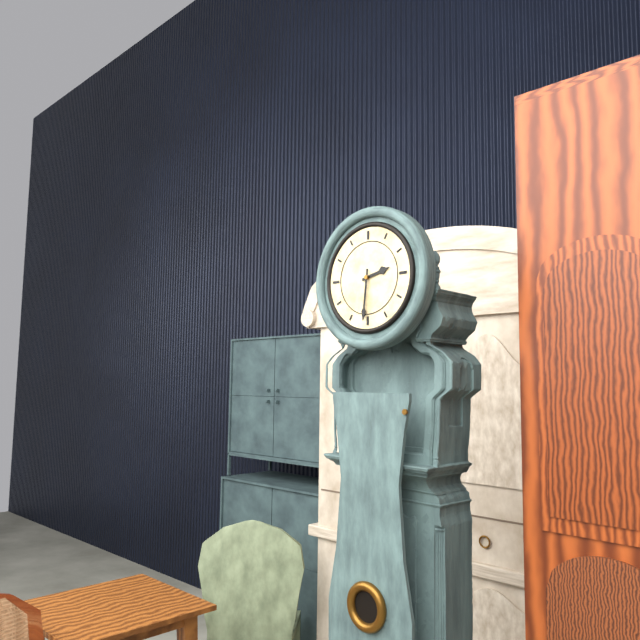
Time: h=2 m=31
